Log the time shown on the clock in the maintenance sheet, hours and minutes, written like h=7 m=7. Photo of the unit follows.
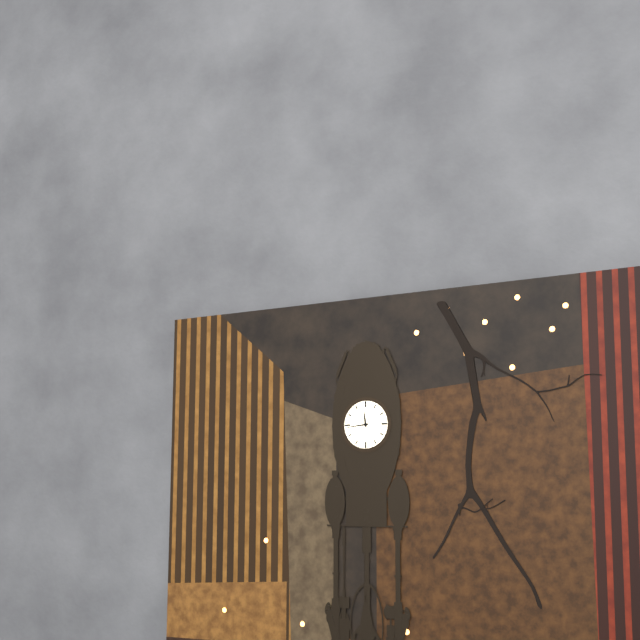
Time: h=11 m=44
